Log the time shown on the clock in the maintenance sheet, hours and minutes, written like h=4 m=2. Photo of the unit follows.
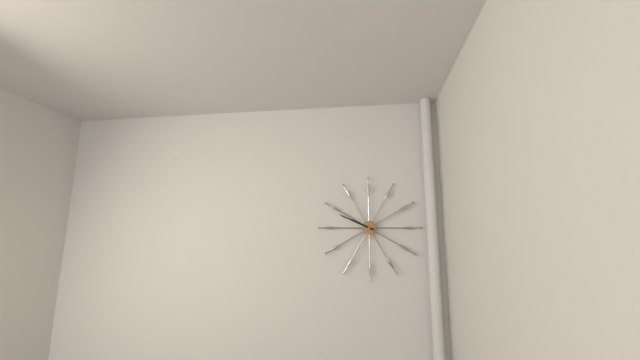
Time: h=9 m=49
